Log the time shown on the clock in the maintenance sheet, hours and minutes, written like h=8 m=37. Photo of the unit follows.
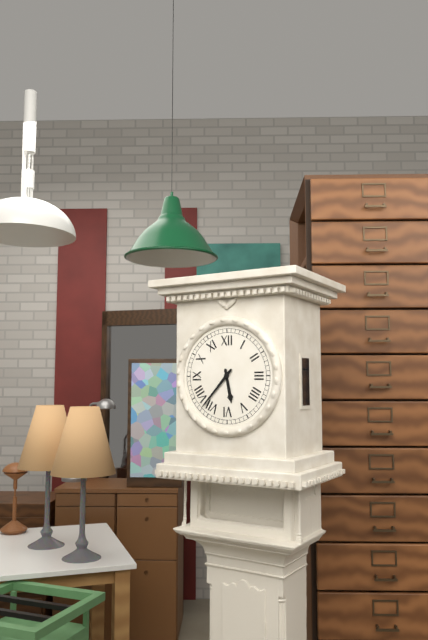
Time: h=5 m=37
